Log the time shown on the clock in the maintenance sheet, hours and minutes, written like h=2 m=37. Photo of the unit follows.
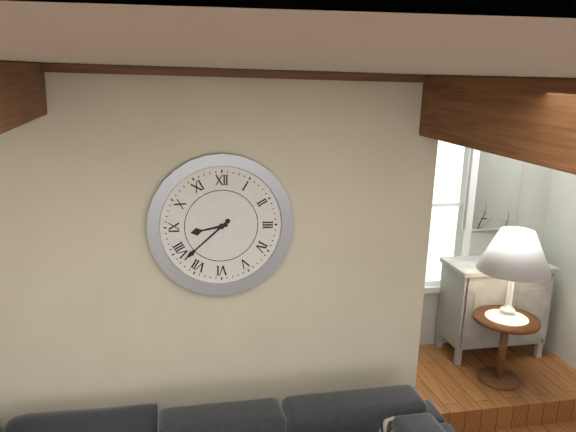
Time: h=8 m=38
